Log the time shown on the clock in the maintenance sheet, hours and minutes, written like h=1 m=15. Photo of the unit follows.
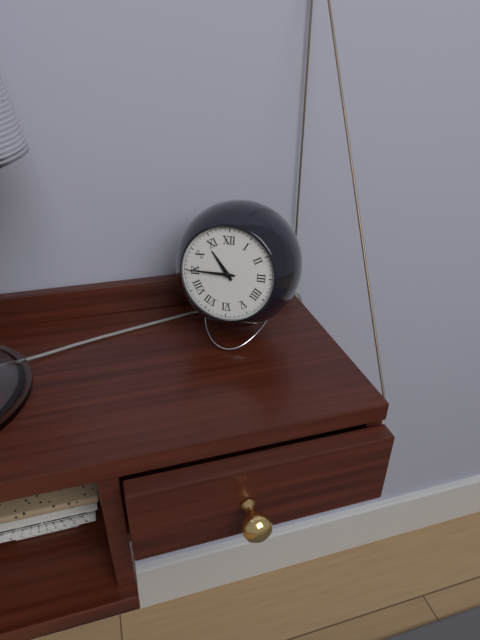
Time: h=10 m=45
